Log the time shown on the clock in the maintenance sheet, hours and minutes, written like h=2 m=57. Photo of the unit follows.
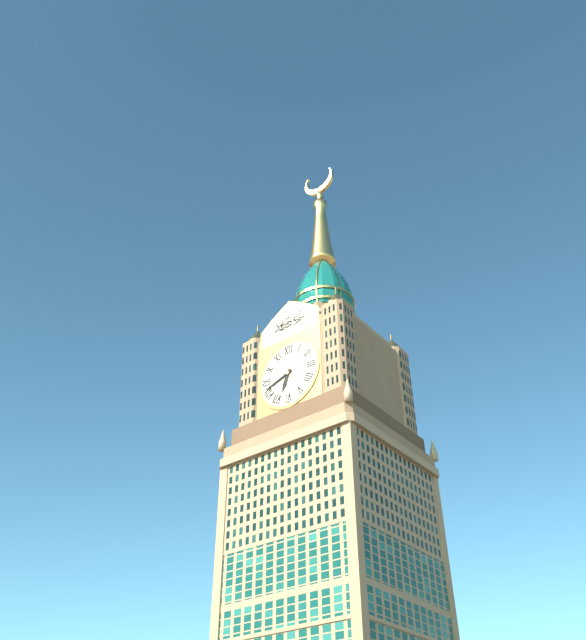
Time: h=6 m=42
